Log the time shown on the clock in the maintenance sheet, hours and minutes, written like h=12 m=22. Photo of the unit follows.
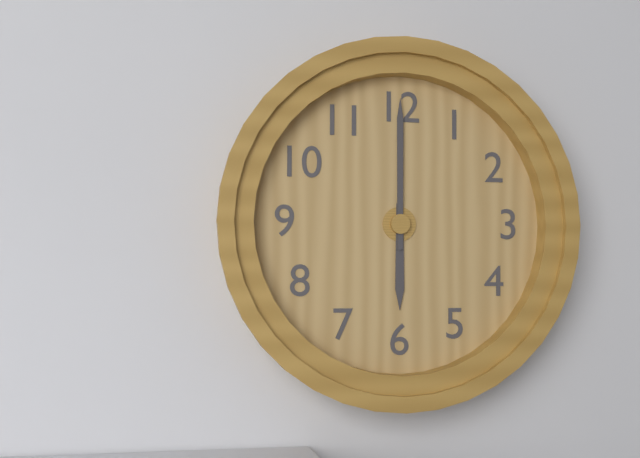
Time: h=6 m=0
